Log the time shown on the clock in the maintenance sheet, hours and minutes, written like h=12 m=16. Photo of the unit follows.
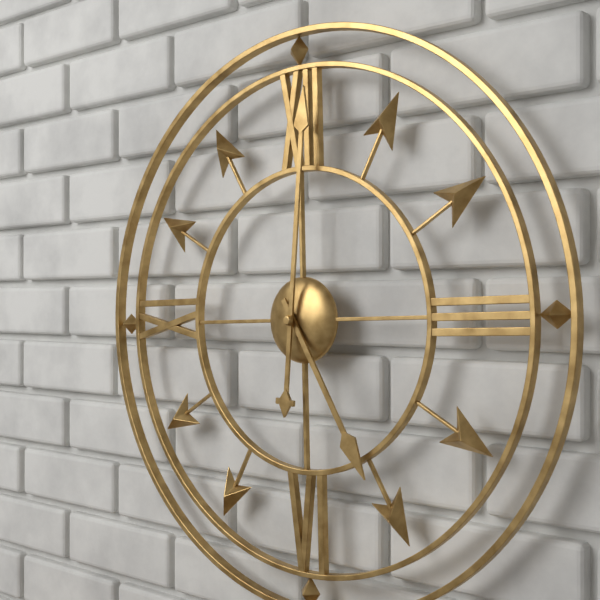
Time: h=5 m=1
